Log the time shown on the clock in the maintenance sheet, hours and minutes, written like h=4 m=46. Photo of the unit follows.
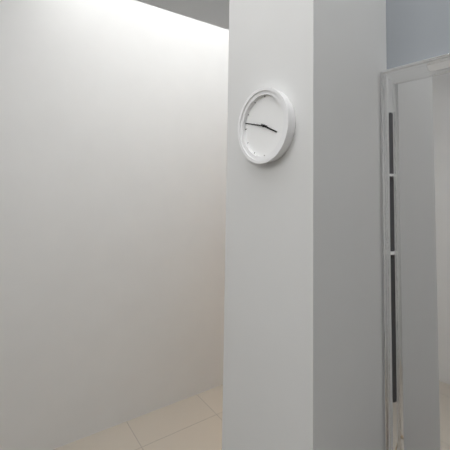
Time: h=3 m=47
